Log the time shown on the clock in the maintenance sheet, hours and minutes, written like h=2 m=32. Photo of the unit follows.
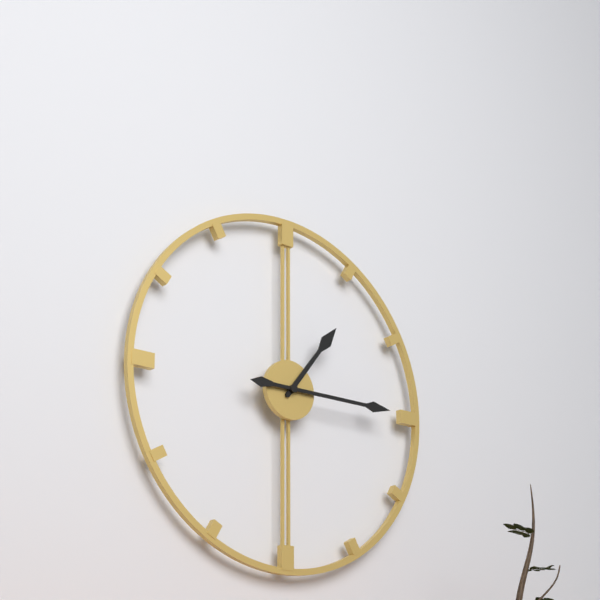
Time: h=1 m=15
